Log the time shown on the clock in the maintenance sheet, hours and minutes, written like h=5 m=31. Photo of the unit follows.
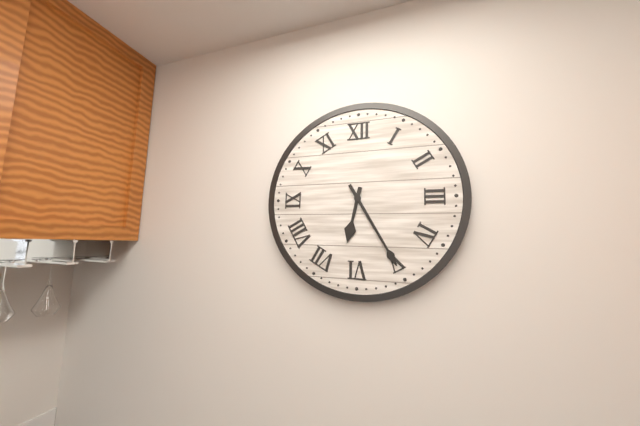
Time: h=6 m=25
